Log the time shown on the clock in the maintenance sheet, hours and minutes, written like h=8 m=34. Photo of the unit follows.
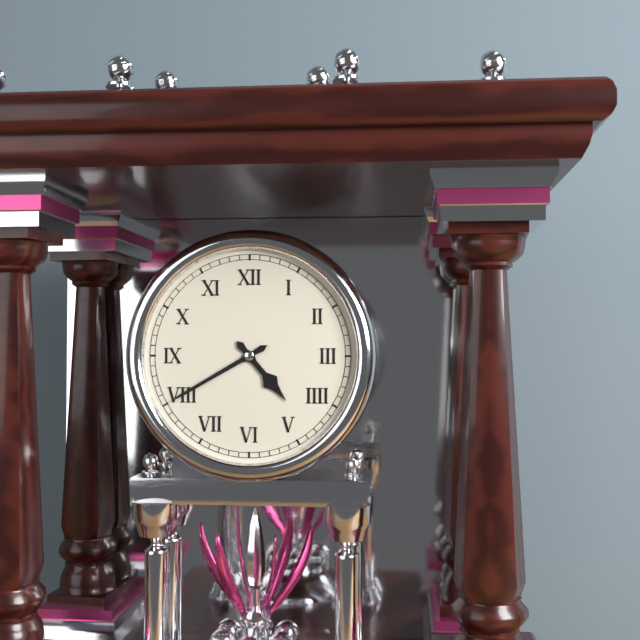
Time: h=4 m=40
